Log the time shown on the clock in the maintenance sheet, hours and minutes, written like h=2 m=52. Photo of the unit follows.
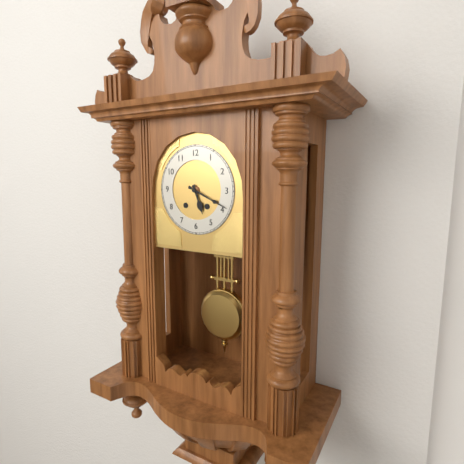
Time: h=5 m=19
